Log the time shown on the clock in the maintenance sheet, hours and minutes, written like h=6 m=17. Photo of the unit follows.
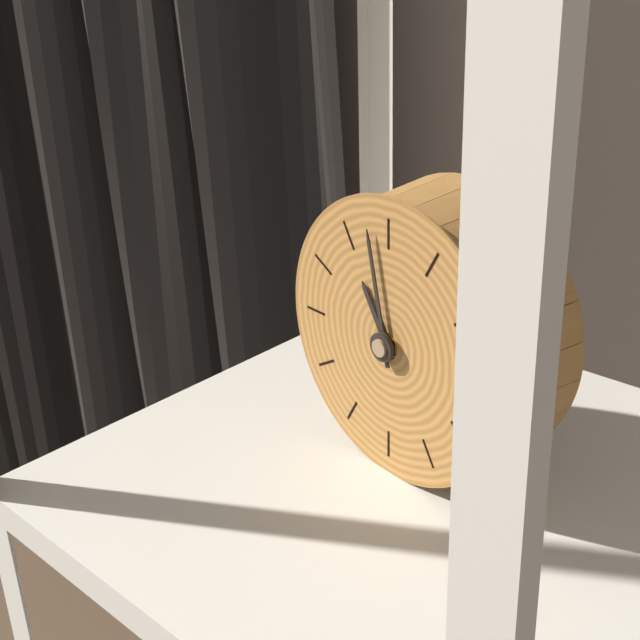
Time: h=10 m=58
